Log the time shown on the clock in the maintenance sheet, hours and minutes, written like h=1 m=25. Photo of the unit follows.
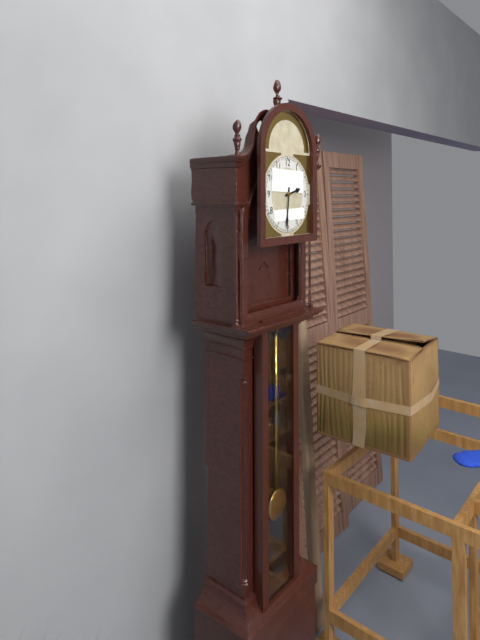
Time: h=2 m=31
